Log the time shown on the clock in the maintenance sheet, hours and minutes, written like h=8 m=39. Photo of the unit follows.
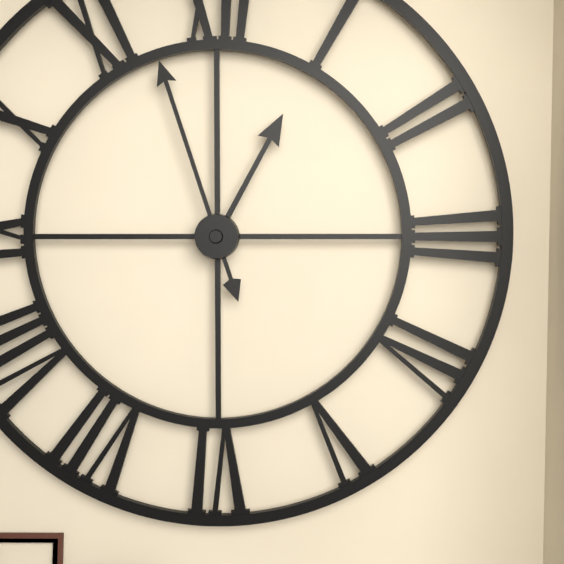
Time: h=12 m=57
